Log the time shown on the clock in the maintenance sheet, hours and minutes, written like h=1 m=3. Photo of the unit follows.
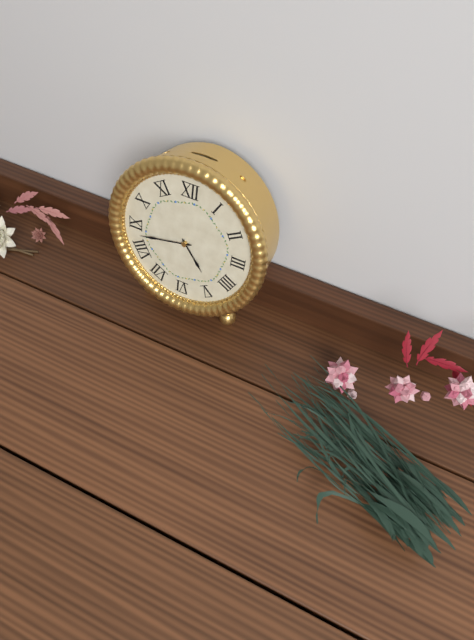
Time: h=4 m=43
